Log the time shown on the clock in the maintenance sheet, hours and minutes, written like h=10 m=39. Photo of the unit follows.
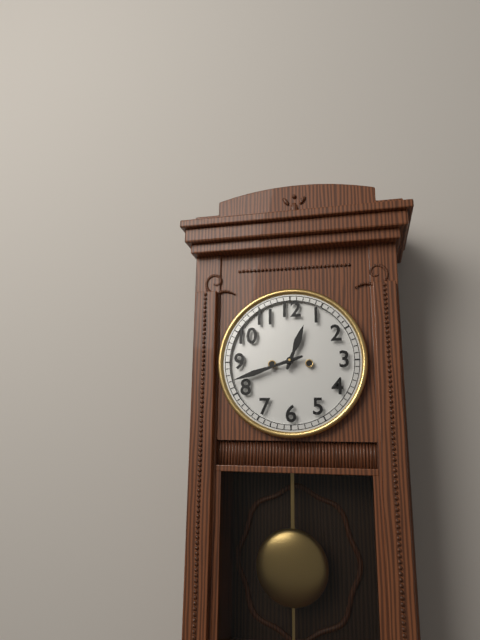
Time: h=12 m=42
